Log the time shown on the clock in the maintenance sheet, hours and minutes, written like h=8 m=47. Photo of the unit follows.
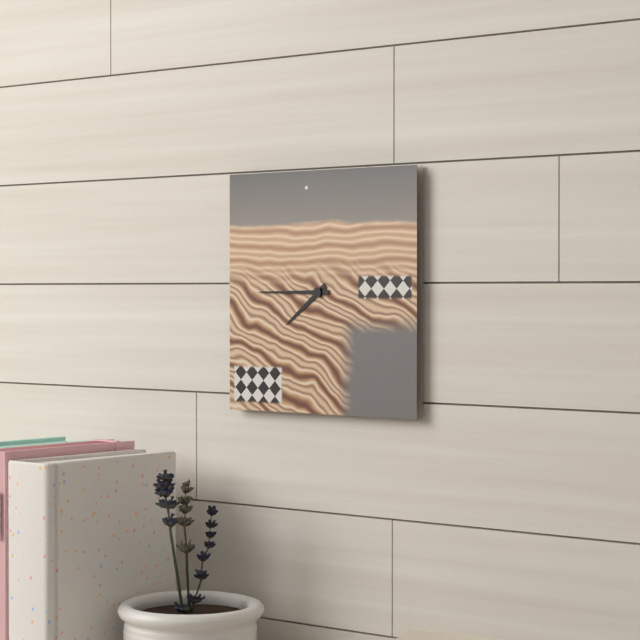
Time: h=7 m=45
